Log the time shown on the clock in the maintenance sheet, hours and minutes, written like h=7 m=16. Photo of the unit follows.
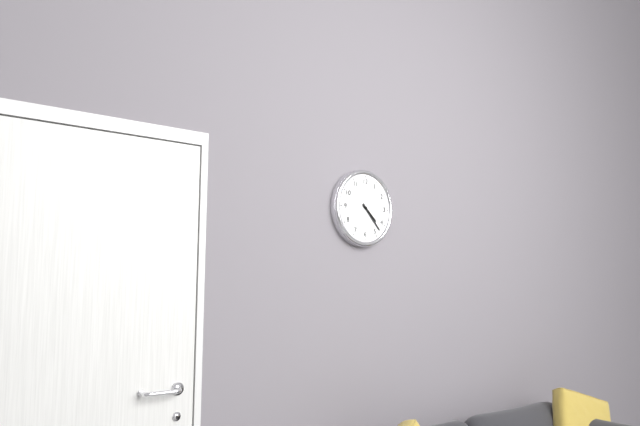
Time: h=4 m=23
